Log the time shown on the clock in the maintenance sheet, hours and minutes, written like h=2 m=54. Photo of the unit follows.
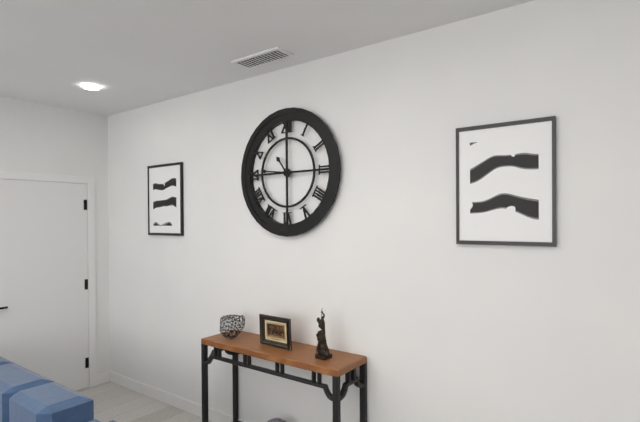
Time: h=10 m=46
